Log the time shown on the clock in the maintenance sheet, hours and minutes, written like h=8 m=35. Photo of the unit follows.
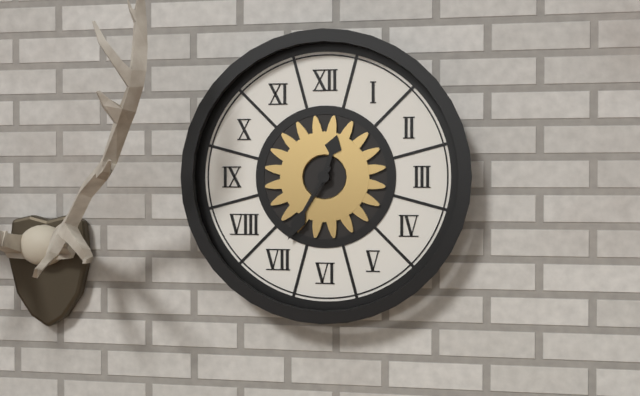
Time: h=12 m=35
